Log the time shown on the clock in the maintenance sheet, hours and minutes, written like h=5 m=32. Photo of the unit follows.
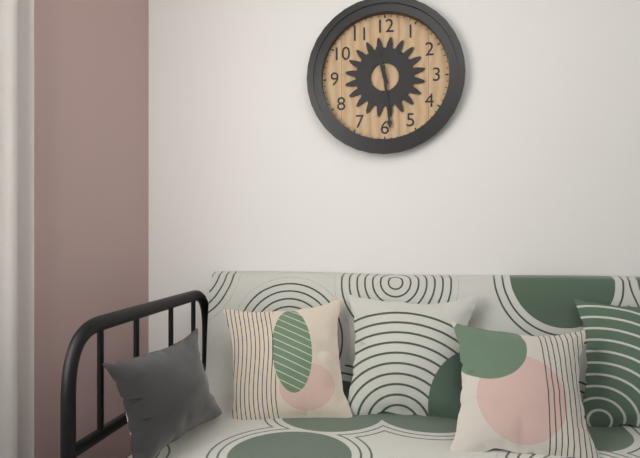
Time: h=11 m=29
